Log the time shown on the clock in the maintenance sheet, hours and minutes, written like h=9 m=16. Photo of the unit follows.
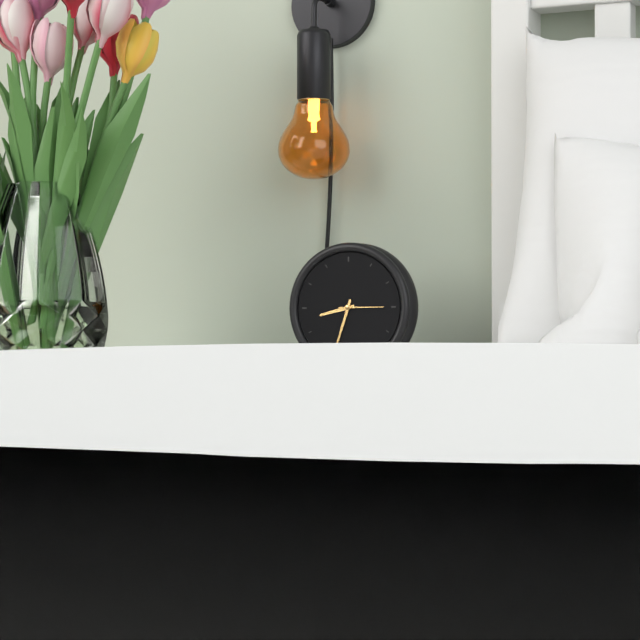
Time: h=8 m=33
